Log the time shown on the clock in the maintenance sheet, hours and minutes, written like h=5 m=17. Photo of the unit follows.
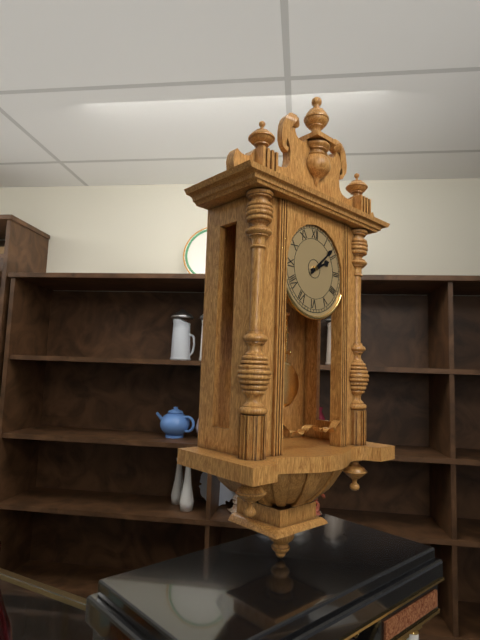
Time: h=2 m=8
